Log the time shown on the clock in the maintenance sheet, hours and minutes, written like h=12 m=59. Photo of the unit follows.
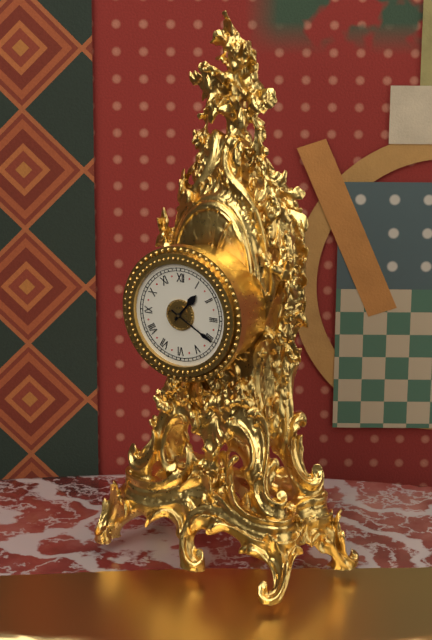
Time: h=1 m=20
